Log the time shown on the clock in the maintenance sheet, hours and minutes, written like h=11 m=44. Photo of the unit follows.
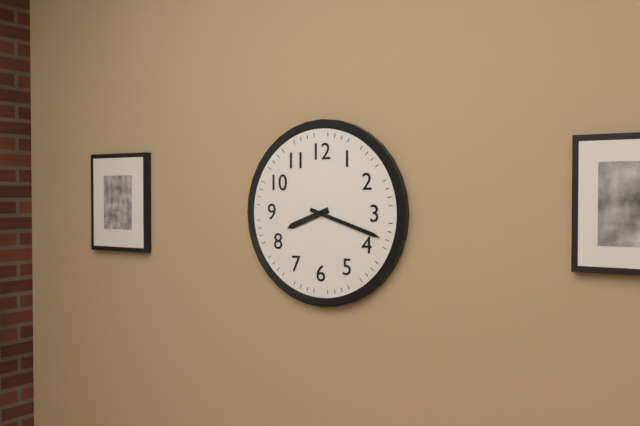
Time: h=8 m=18
